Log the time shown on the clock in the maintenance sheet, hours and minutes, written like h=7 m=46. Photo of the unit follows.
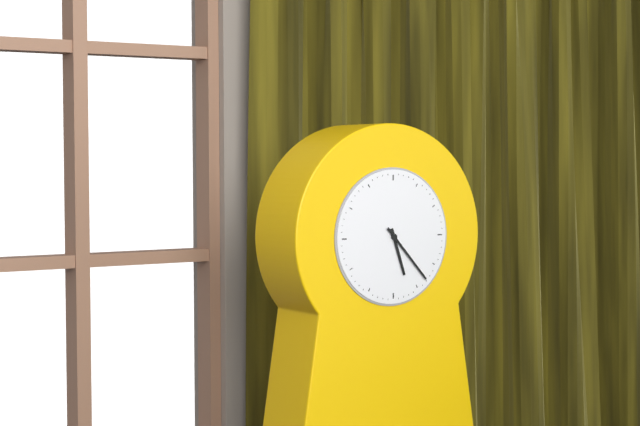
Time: h=5 m=23
